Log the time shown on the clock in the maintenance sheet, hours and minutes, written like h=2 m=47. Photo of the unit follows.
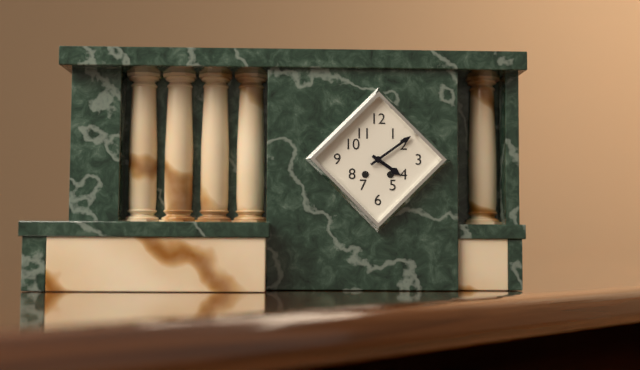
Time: h=4 m=9
